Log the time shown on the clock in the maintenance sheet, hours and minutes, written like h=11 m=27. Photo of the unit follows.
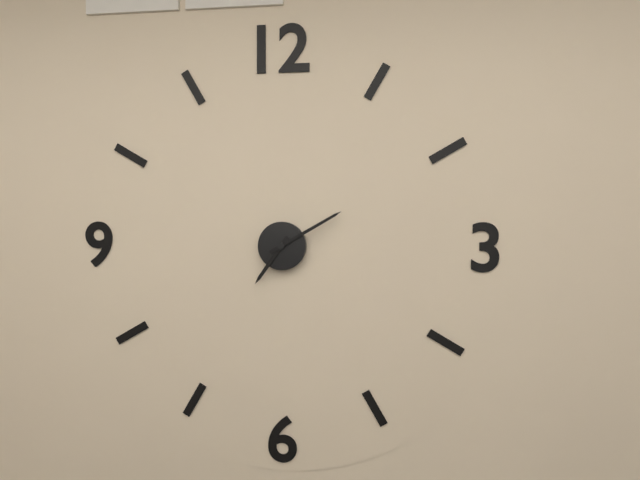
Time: h=7 m=10
